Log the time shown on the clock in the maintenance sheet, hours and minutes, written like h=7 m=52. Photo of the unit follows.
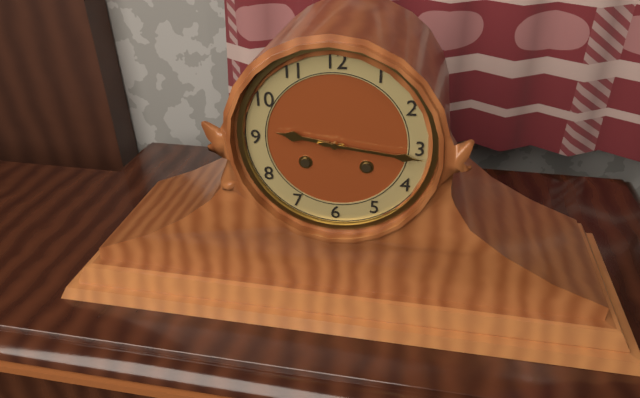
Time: h=9 m=16
